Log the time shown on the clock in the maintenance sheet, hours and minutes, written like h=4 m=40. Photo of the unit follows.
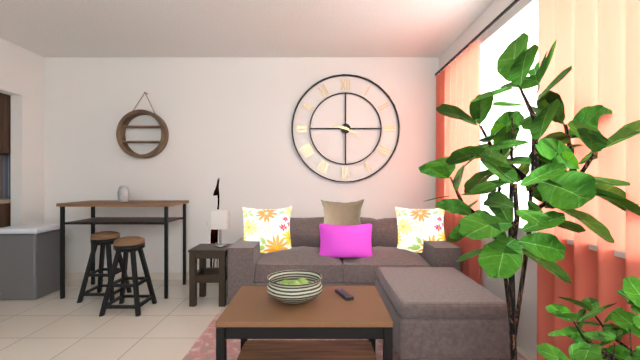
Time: h=9 m=20
